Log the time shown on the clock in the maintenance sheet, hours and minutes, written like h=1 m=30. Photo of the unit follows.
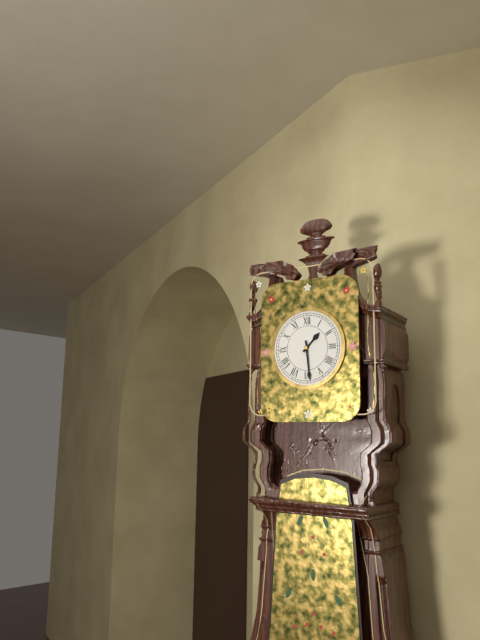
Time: h=1 m=29
